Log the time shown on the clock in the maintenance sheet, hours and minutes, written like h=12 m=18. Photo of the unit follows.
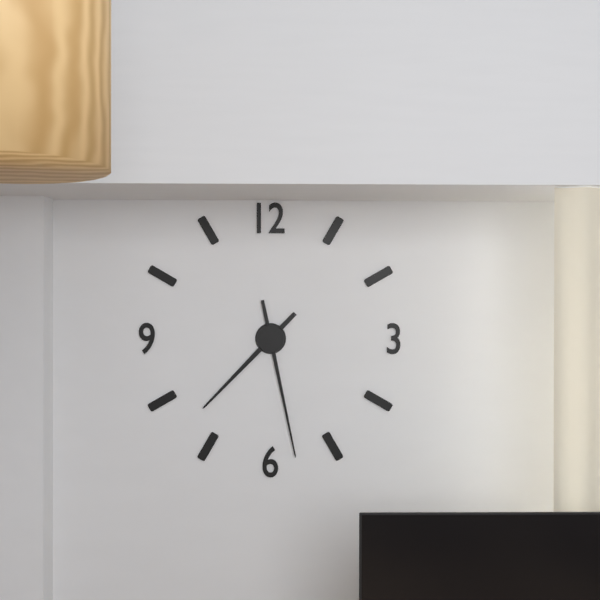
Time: h=7 m=28
